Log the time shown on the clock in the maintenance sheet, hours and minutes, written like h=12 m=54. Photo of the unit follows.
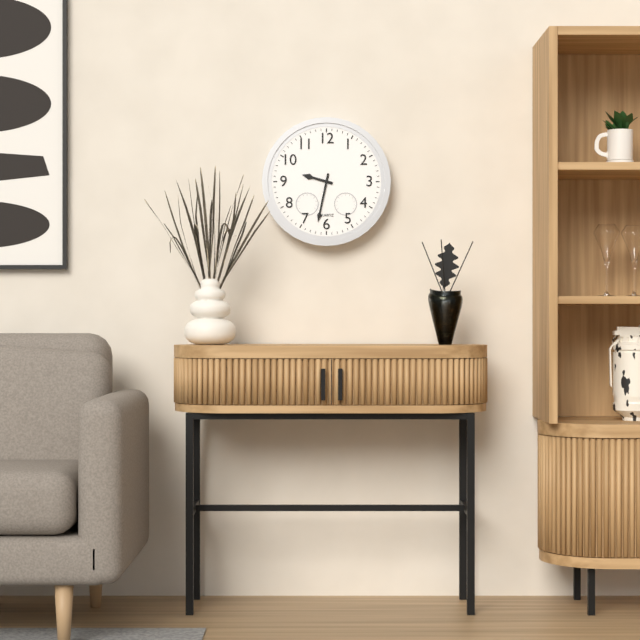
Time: h=9 m=32
